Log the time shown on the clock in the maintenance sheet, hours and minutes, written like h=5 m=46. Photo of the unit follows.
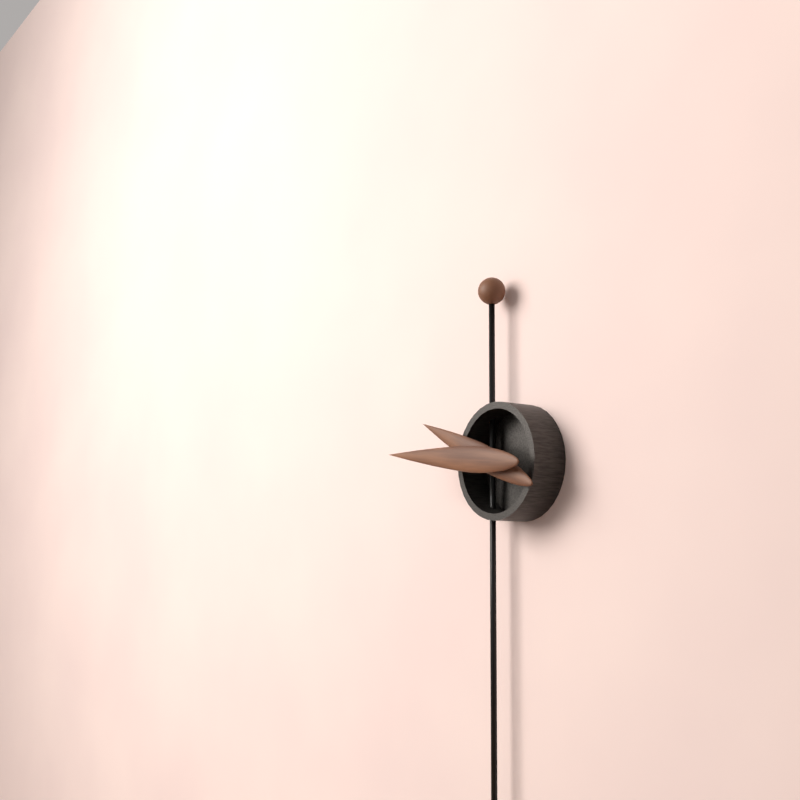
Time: h=9 m=46
